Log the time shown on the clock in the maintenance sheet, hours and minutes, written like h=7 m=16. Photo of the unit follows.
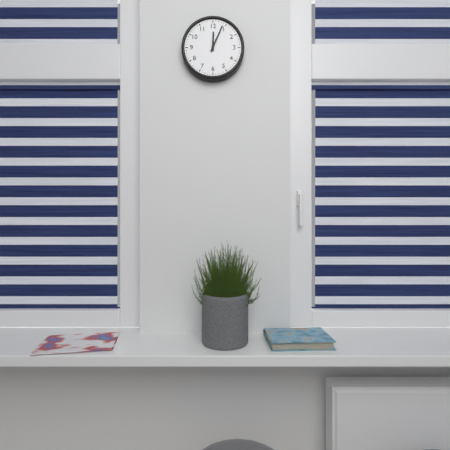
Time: h=12 m=4
